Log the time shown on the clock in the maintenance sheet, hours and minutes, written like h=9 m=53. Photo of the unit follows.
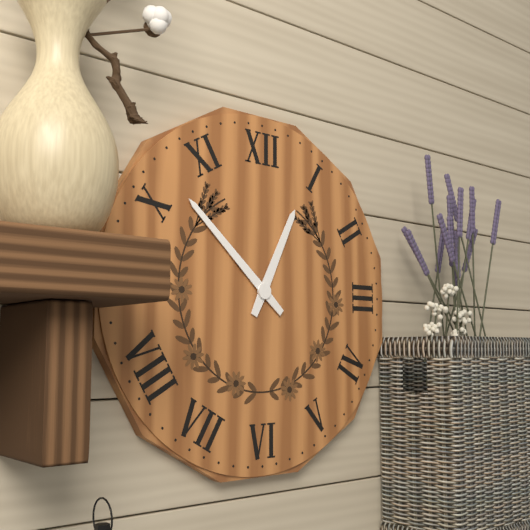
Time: h=12 m=52
